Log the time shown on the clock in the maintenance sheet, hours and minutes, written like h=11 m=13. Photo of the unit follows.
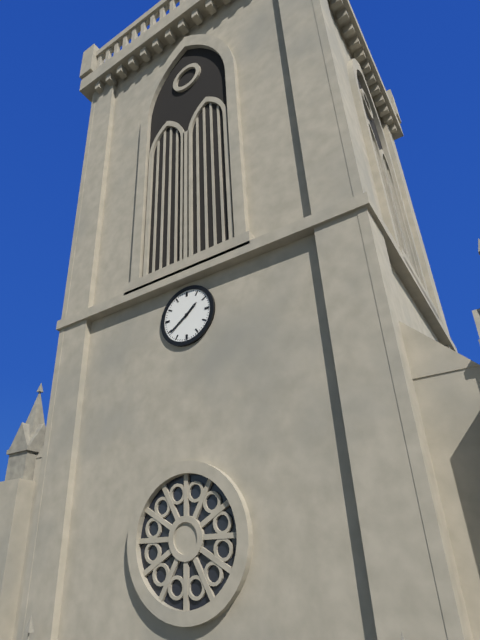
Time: h=1 m=39
